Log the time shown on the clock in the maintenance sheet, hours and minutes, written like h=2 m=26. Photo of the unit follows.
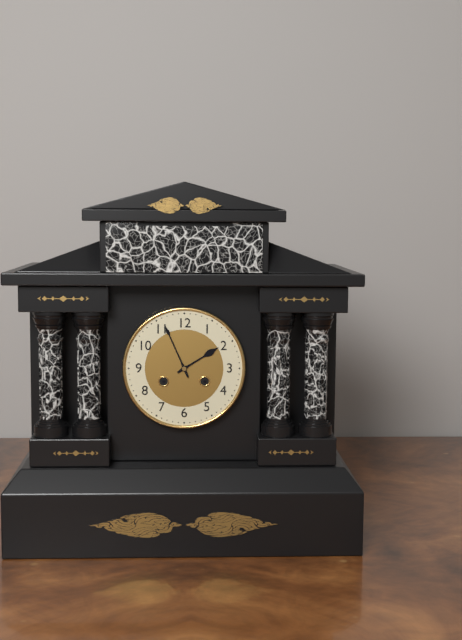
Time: h=1 m=56
